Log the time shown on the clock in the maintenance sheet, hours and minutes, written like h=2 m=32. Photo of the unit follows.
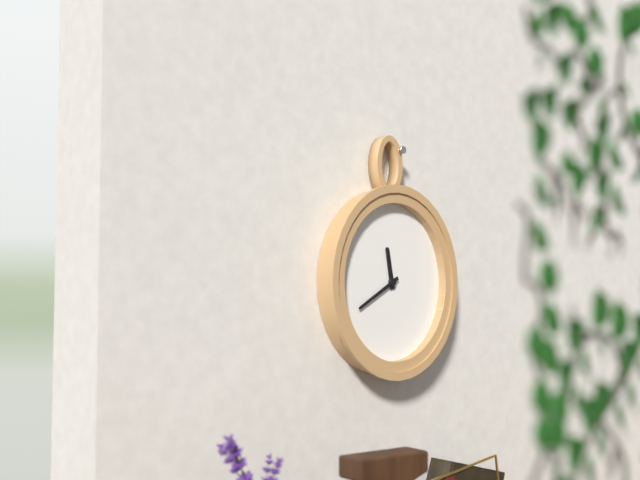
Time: h=11 m=40
